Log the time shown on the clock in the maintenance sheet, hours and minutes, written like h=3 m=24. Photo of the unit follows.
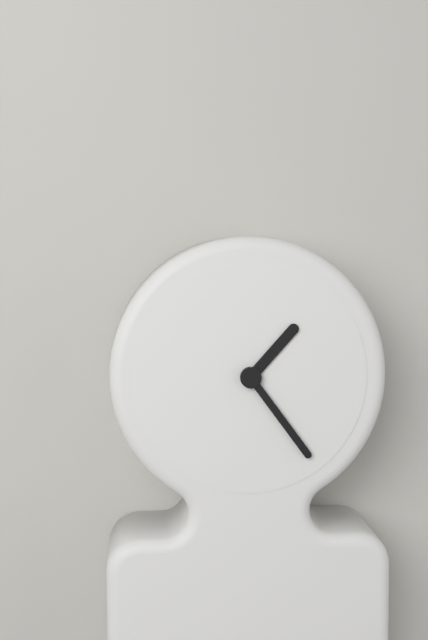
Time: h=1 m=24
